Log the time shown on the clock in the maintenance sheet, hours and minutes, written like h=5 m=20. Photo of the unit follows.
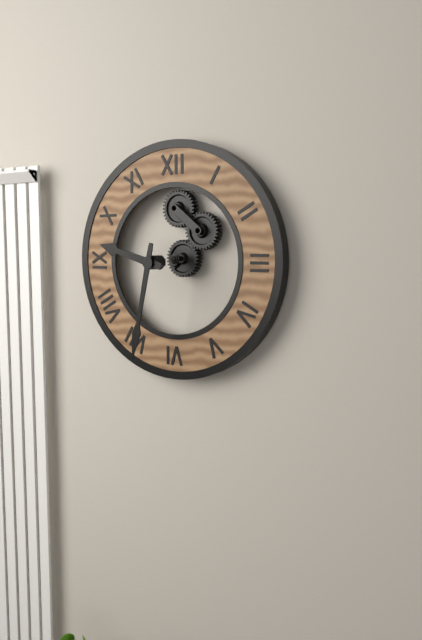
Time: h=9 m=32
